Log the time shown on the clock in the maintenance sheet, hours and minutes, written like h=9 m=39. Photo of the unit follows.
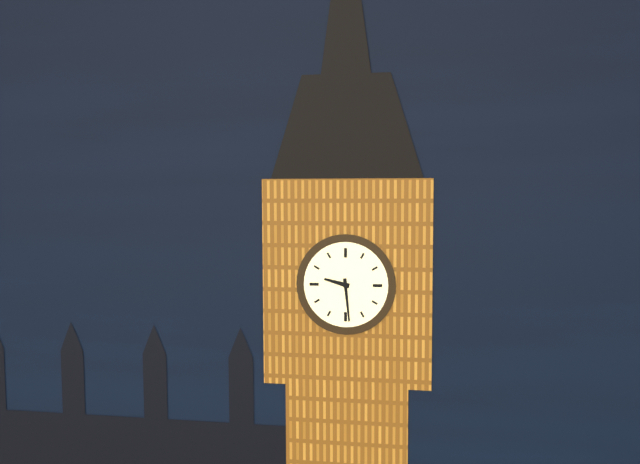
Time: h=9 m=29
